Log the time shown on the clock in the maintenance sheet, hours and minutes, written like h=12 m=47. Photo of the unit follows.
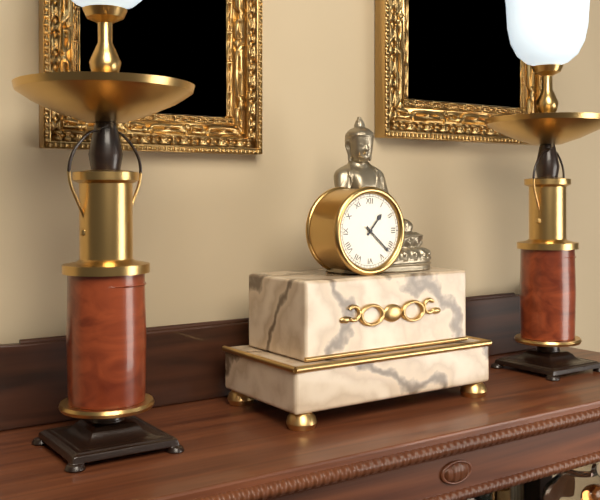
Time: h=1 m=22
